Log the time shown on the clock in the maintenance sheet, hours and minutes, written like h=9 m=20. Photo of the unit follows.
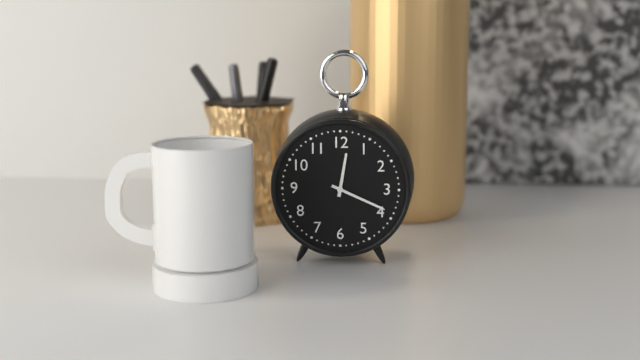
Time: h=12 m=19
